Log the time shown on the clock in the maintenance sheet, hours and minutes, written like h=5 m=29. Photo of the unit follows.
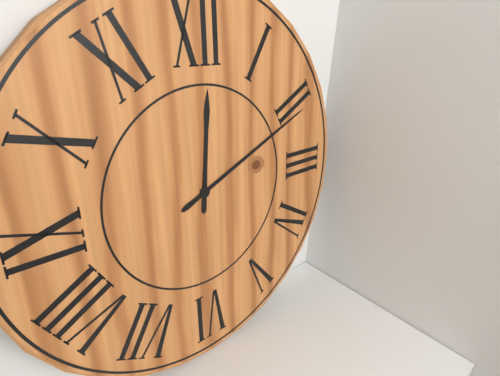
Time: h=12 m=11
